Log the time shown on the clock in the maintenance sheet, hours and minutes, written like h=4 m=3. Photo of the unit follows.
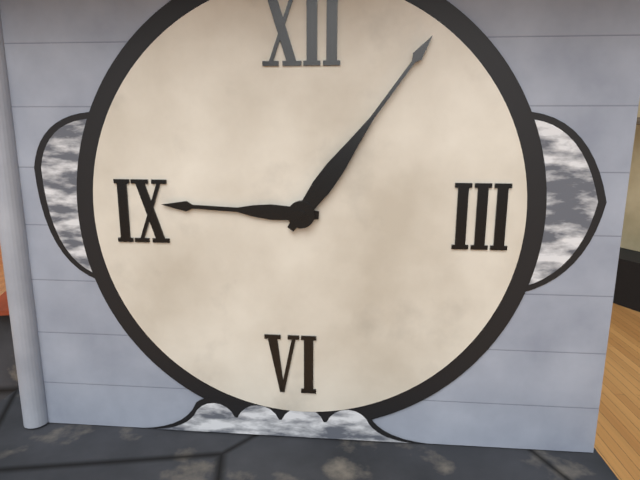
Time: h=9 m=6
